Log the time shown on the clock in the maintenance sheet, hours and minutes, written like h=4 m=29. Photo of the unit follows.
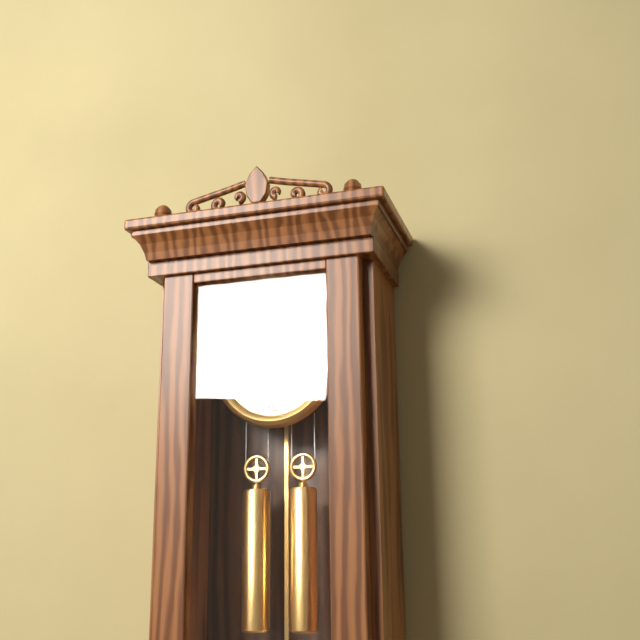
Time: h=9 m=5
